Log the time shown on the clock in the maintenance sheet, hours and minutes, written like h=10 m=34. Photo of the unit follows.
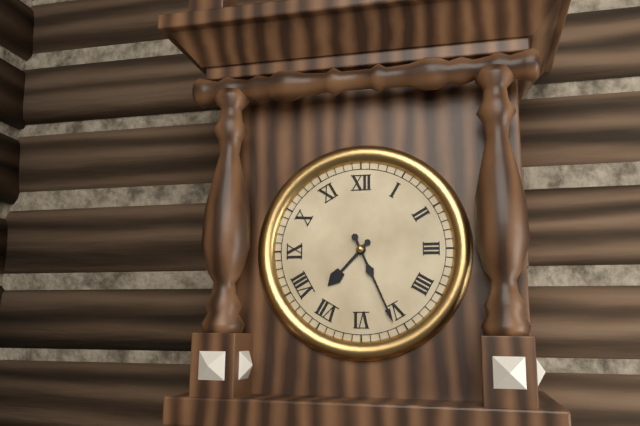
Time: h=7 m=26
